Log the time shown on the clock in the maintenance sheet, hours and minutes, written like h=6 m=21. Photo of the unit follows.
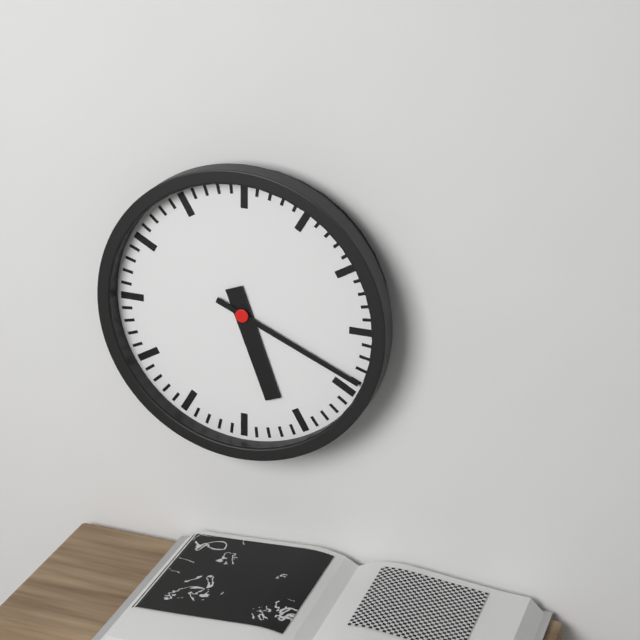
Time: h=5 m=19
